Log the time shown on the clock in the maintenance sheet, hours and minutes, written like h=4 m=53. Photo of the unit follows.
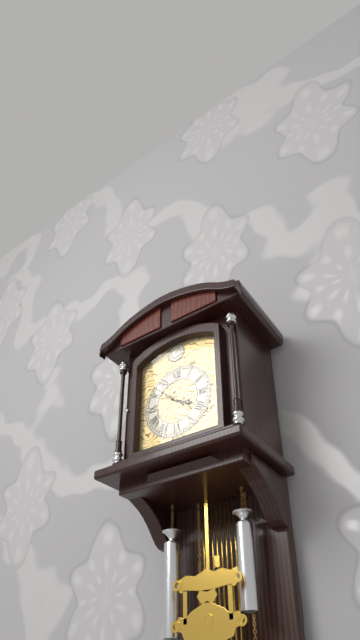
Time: h=3 m=52
